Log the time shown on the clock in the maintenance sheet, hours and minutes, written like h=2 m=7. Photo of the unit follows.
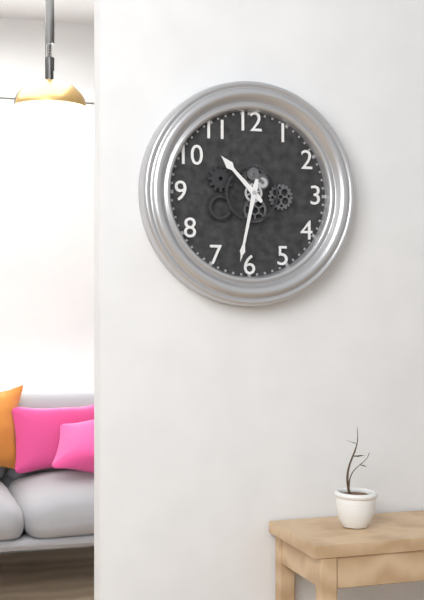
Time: h=10 m=32
